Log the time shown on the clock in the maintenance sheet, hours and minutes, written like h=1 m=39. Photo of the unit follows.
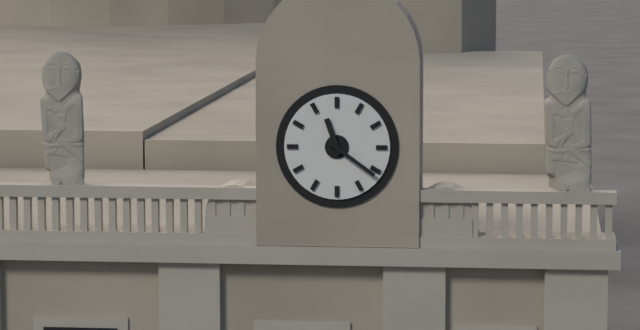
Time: h=11 m=21
